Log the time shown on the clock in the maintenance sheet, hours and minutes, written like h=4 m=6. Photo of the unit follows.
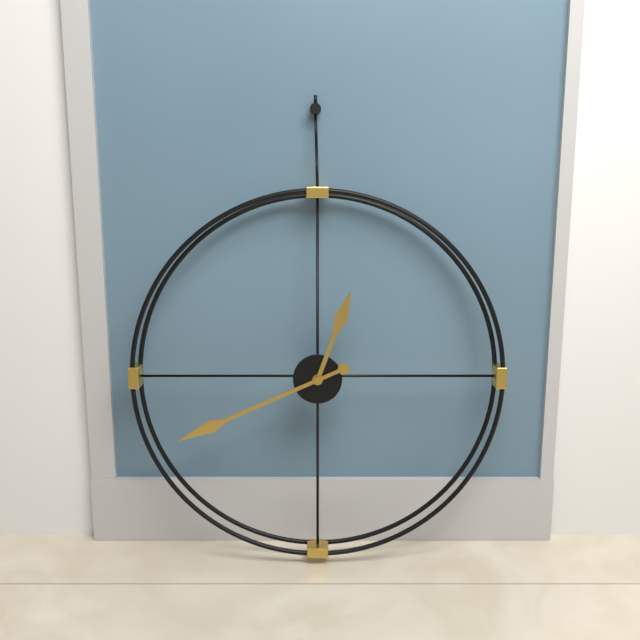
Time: h=12 m=41
